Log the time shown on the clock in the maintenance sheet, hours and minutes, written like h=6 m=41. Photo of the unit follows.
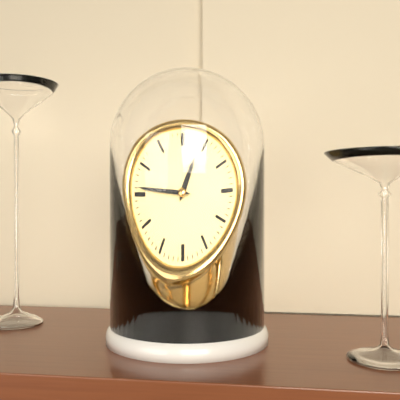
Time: h=12 m=46
